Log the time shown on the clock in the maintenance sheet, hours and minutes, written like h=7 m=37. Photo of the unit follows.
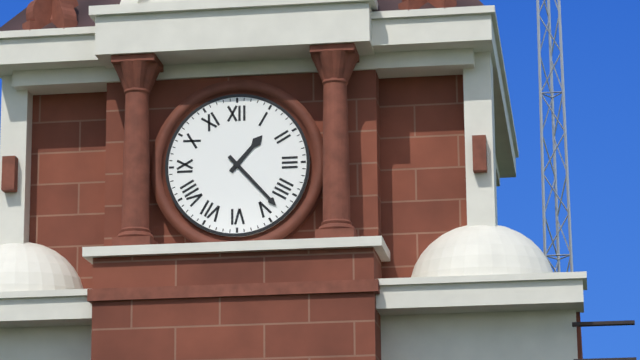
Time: h=1 m=23
